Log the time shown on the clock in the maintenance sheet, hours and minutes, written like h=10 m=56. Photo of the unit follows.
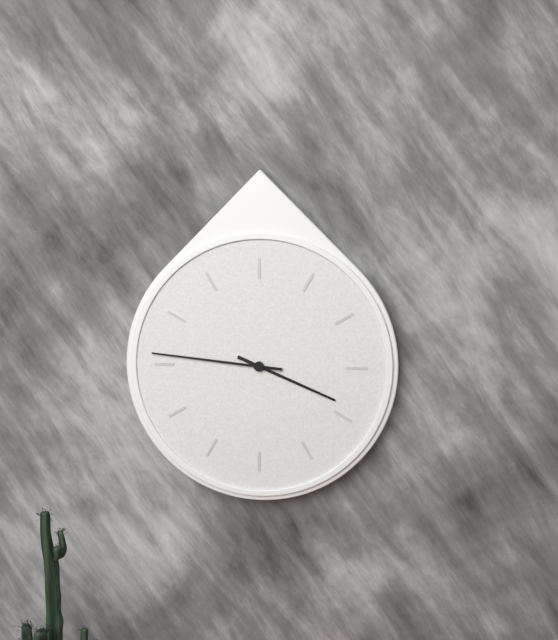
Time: h=3 m=46
